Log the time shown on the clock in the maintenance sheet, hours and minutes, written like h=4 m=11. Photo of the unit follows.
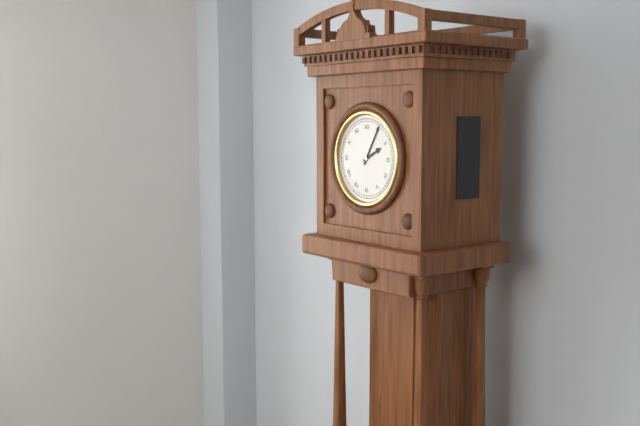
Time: h=2 m=5
